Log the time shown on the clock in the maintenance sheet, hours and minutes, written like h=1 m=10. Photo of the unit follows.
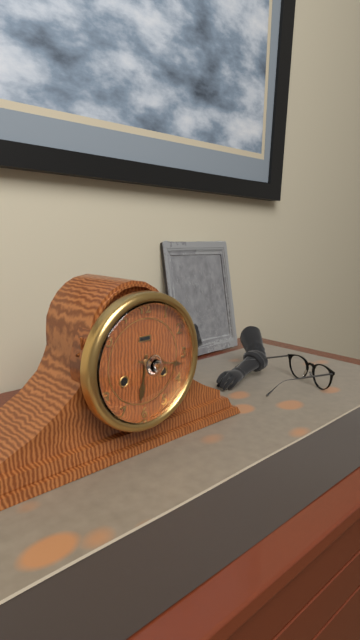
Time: h=6 m=17
